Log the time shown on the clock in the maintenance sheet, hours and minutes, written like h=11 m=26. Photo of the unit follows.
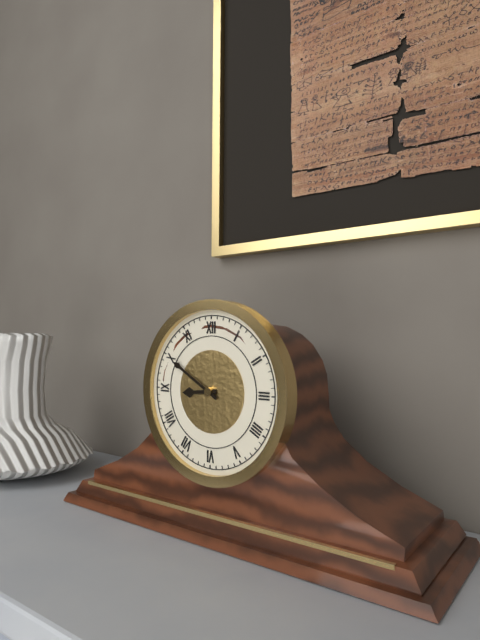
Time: h=8 m=50
